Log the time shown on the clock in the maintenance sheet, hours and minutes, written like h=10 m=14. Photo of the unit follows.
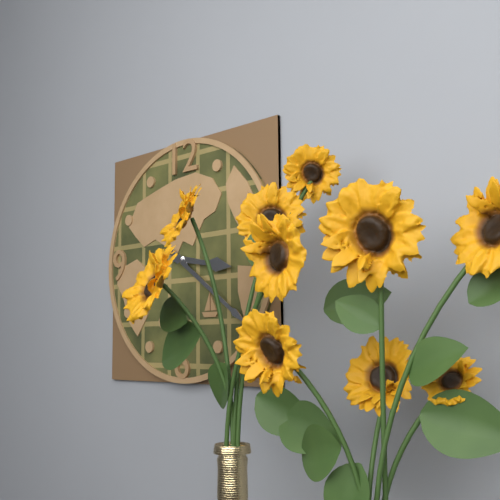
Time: h=3 m=21
